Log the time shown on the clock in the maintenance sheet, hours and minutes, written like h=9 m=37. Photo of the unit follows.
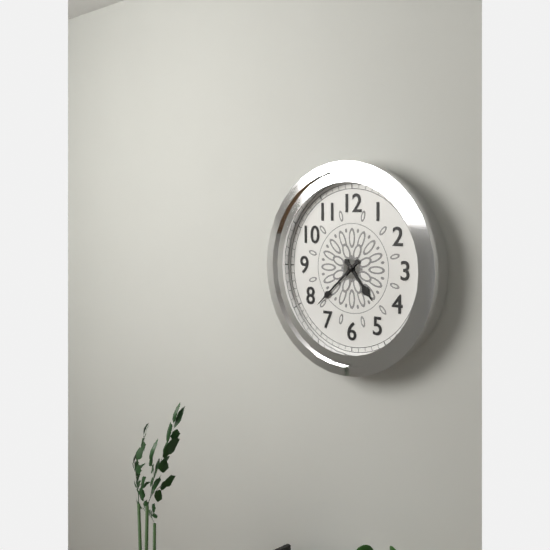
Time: h=4 m=38
